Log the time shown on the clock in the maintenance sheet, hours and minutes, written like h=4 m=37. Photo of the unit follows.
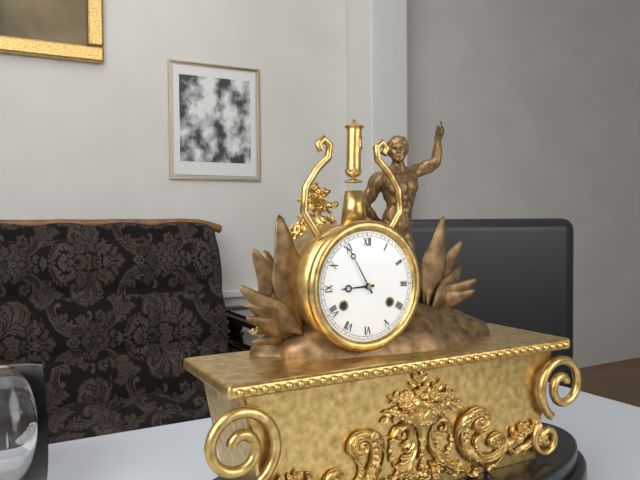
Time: h=8 m=55
